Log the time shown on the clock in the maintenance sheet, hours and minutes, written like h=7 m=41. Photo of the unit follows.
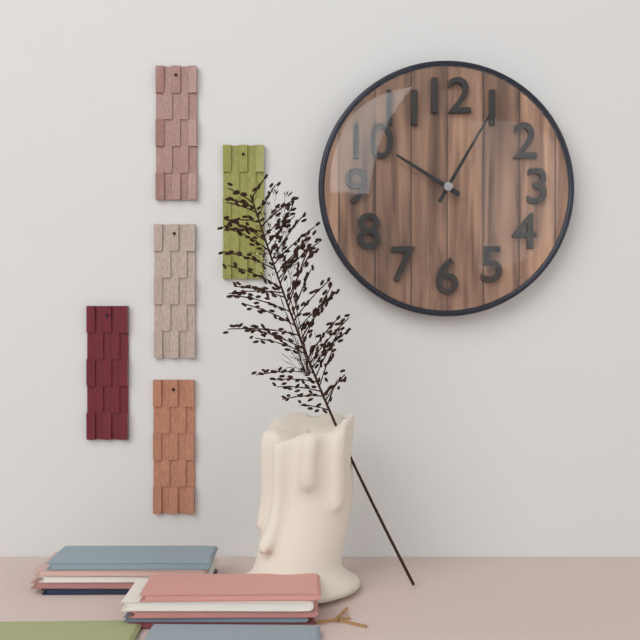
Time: h=10 m=5
